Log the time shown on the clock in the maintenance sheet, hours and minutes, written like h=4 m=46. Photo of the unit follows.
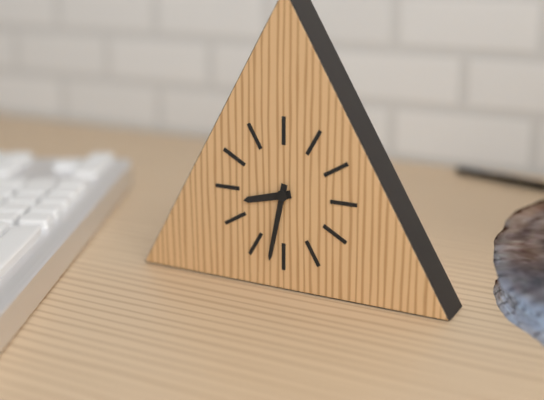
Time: h=8 m=32
